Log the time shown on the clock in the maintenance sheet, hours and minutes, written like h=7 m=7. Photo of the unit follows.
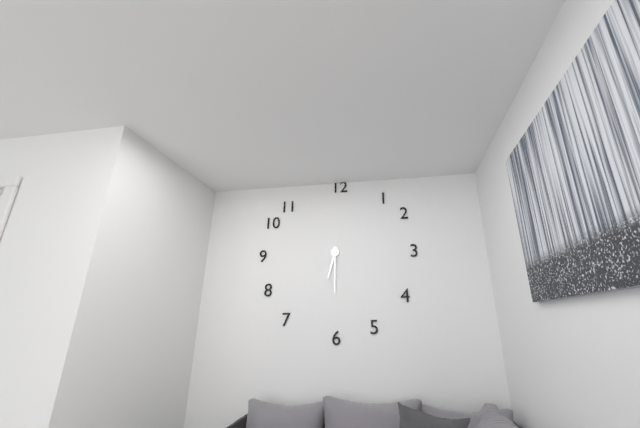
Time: h=6 m=30
